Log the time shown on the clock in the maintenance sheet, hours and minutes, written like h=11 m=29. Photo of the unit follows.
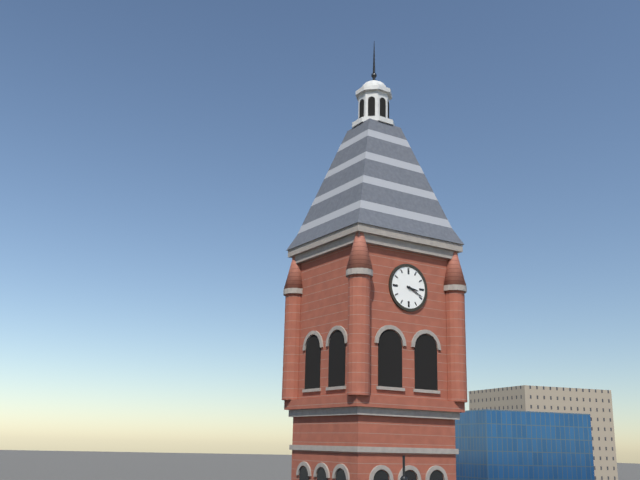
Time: h=3 m=19
